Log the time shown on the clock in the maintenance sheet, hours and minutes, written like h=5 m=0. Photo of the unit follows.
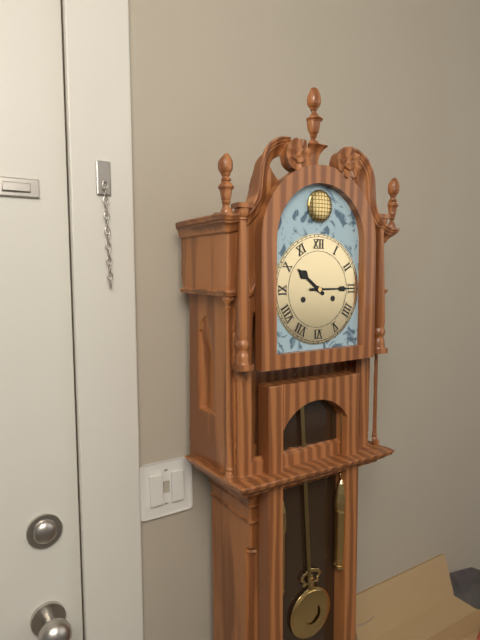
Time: h=10 m=15
